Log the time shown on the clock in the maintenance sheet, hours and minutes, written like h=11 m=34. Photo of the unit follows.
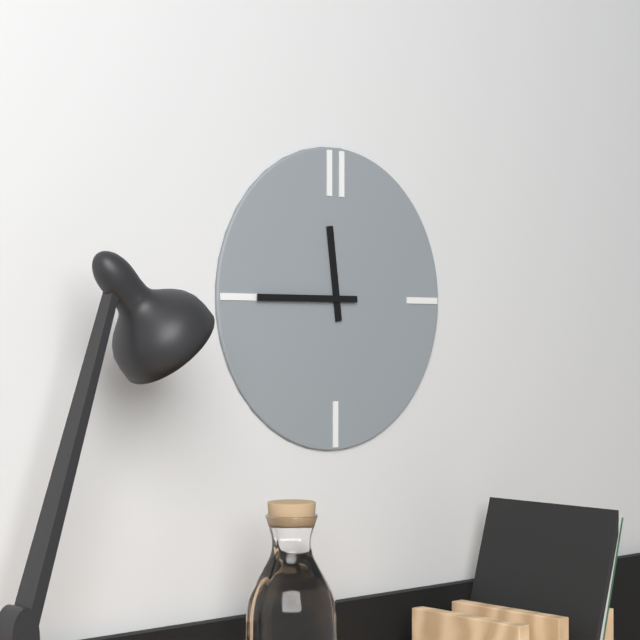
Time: h=11 m=45
